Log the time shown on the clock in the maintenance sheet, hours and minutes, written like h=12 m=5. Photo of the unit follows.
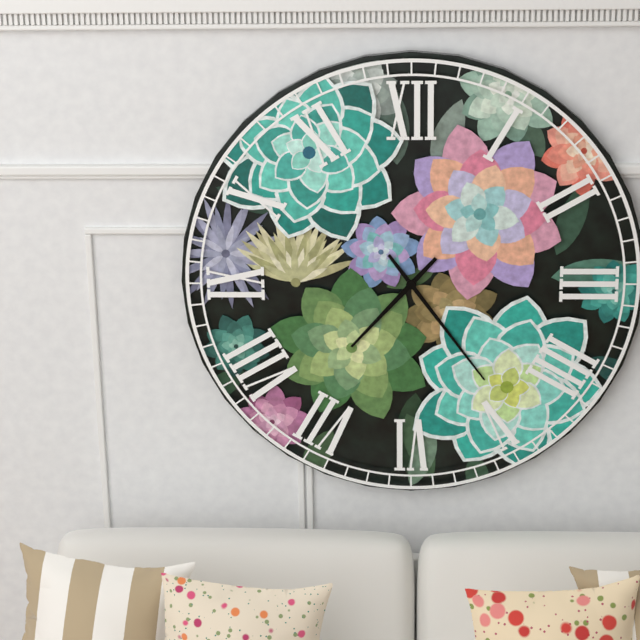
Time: h=7 m=24
